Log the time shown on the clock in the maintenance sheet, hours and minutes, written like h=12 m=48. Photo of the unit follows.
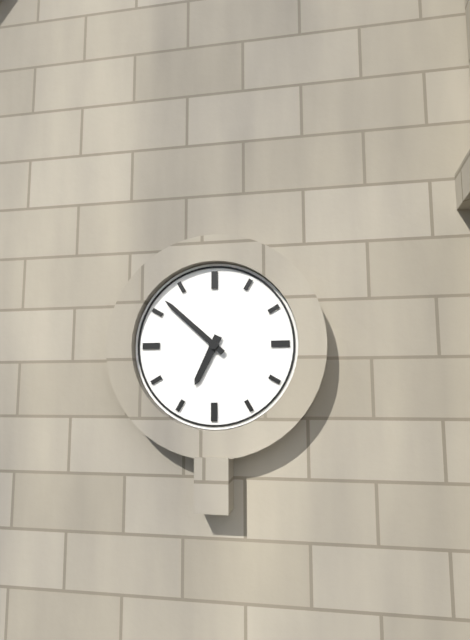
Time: h=6 m=52
